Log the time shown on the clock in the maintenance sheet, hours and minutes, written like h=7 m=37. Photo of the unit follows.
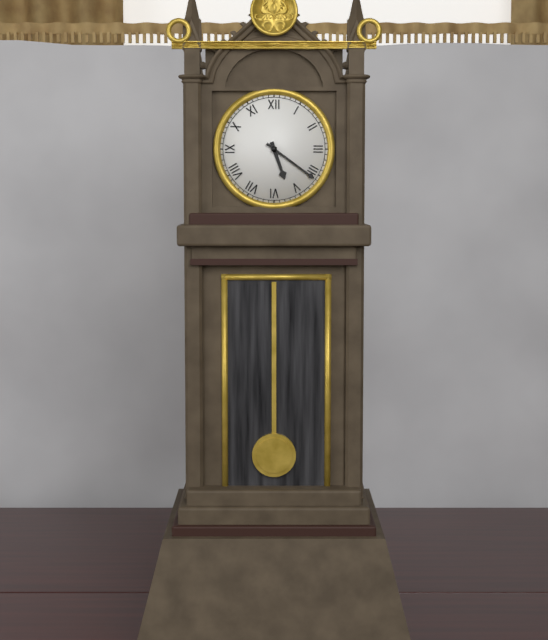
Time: h=5 m=21
